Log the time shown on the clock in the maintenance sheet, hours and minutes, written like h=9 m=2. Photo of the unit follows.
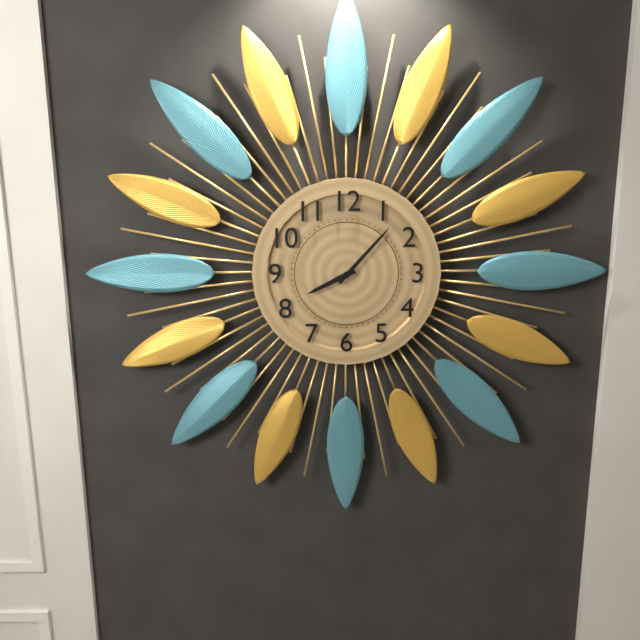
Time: h=8 m=7
